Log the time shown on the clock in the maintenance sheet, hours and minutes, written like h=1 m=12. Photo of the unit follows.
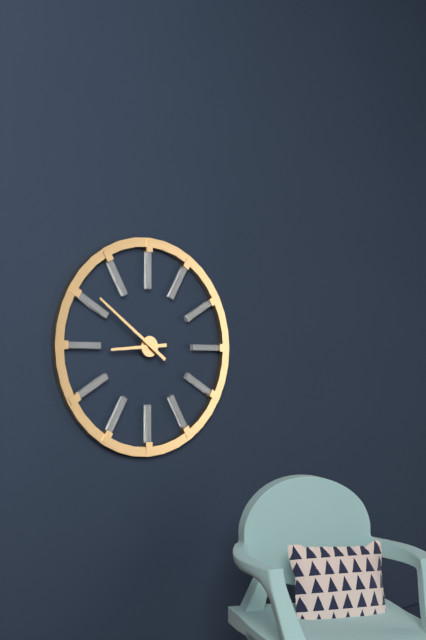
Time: h=8 m=51
